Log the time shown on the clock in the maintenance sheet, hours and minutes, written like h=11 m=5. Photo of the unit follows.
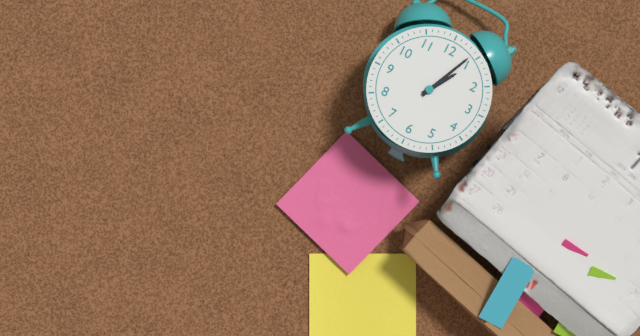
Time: h=1 m=4
